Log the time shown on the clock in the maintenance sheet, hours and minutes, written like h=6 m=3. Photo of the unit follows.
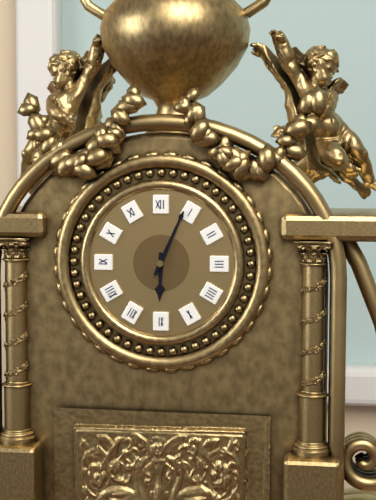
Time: h=6 m=4
